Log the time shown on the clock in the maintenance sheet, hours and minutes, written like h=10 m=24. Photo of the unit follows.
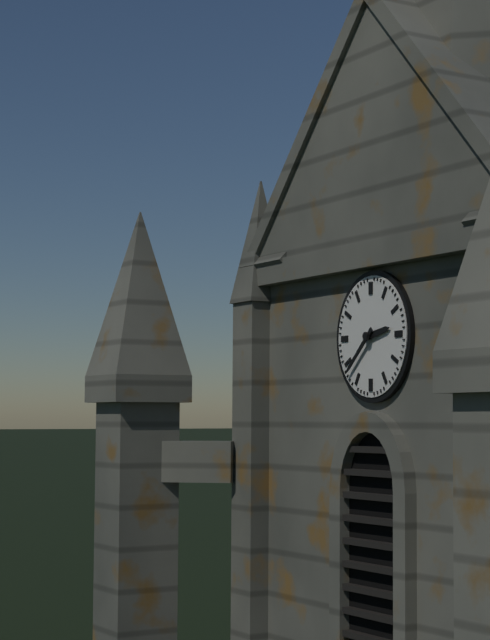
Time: h=2 m=38
